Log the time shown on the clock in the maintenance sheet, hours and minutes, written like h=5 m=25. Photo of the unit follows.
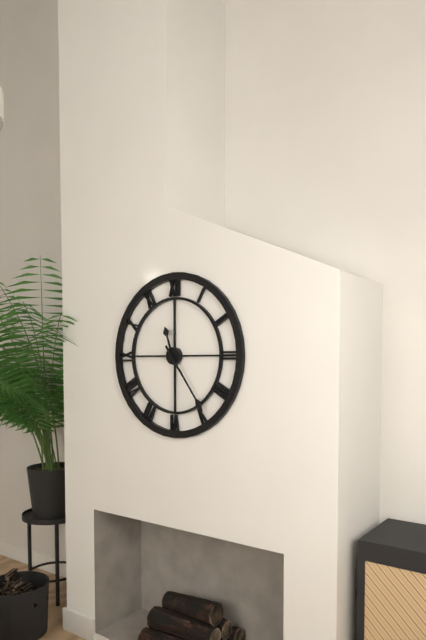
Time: h=11 m=24
